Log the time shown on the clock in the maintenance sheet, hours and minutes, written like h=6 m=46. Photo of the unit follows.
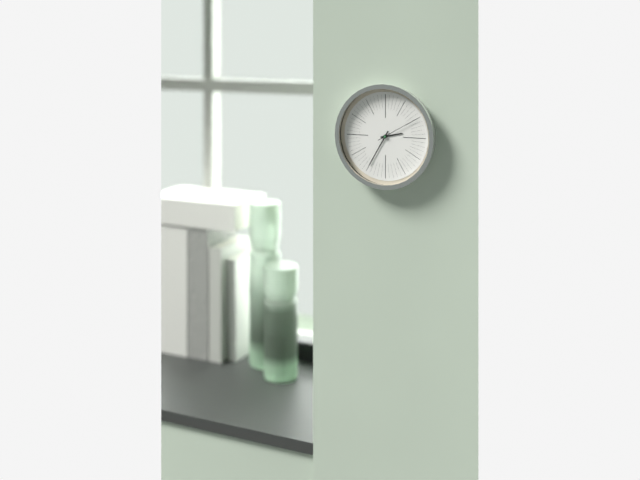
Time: h=2 m=35
